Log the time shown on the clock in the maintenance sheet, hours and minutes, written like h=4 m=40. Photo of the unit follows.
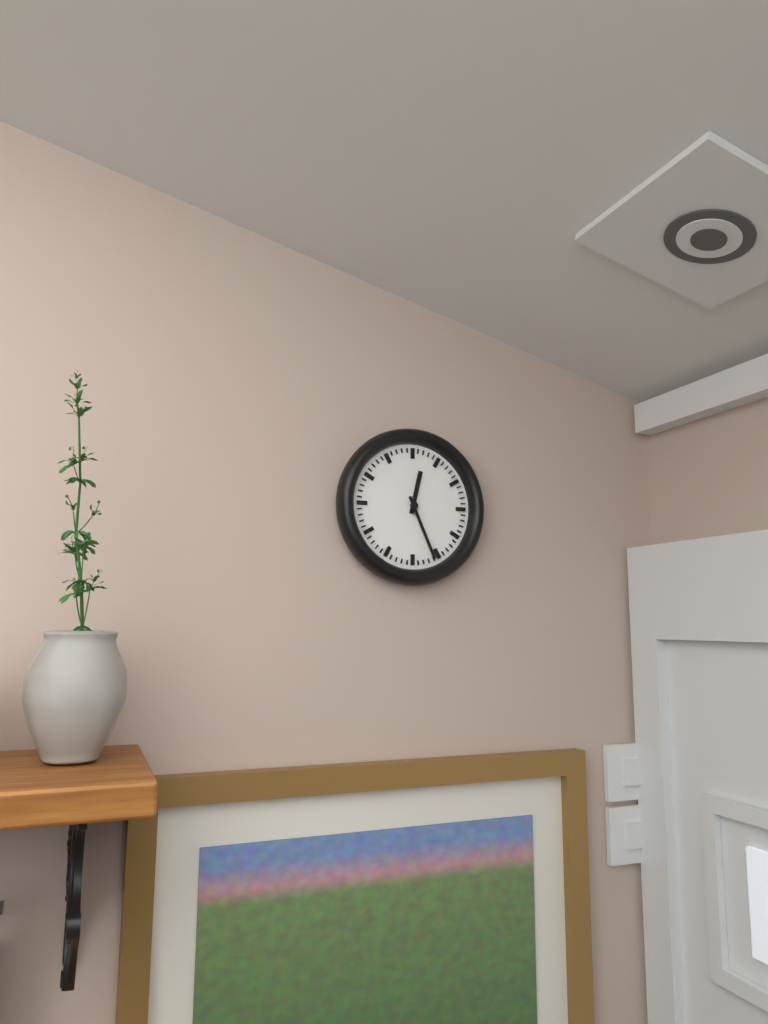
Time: h=12 m=26
